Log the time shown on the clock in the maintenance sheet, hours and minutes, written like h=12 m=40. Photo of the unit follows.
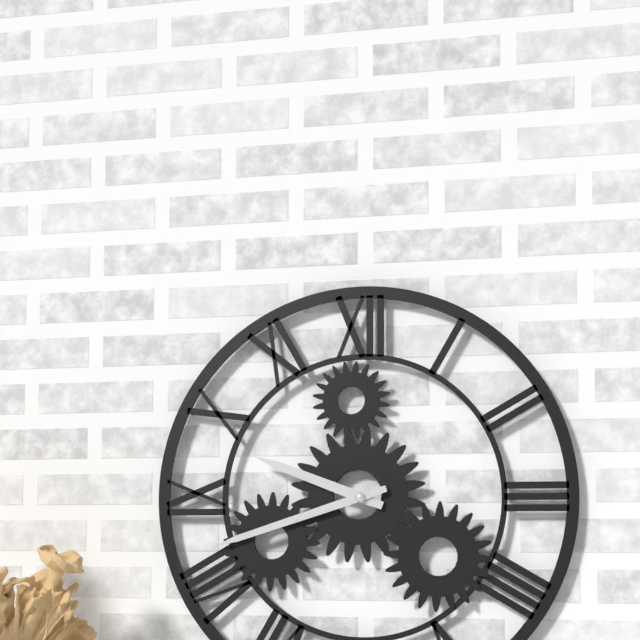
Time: h=9 m=42
